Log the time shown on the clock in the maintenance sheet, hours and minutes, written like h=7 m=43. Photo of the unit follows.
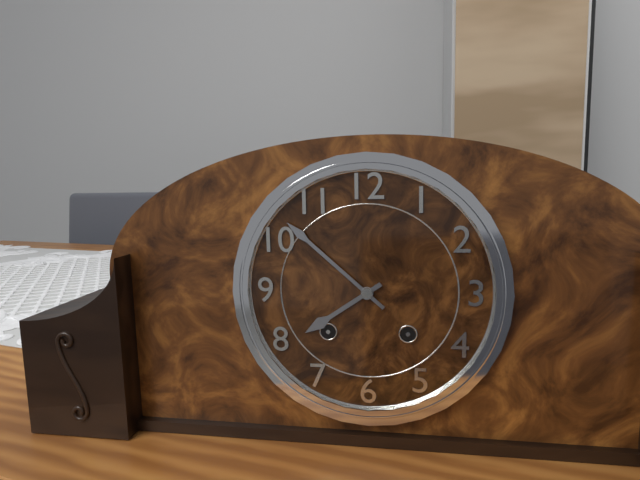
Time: h=7 m=52
